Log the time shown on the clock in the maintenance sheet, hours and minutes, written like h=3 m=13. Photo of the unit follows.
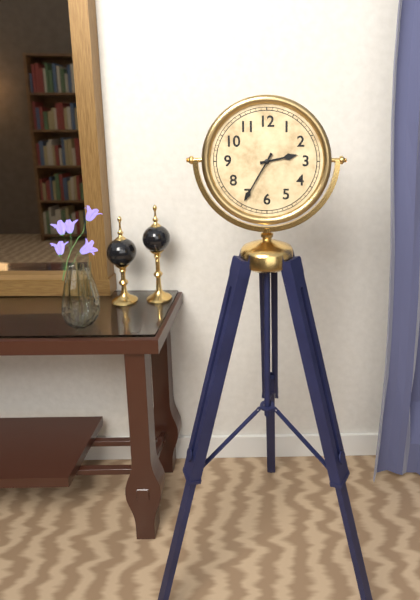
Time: h=2 m=35
